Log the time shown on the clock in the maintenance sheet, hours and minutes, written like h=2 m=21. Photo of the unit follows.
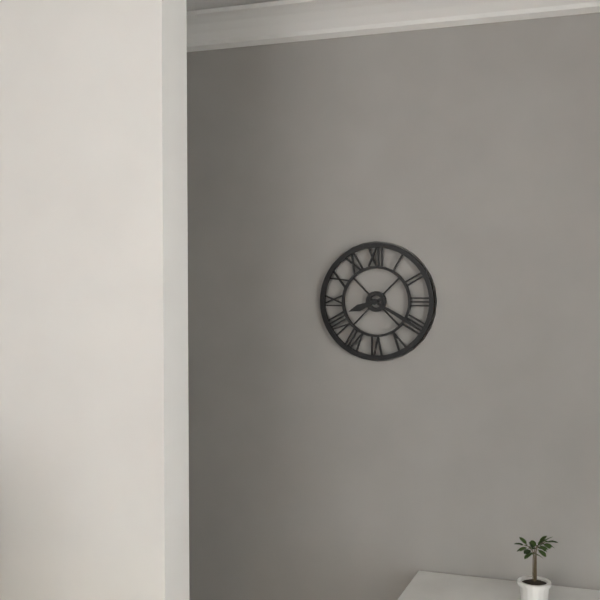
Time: h=8 m=20
